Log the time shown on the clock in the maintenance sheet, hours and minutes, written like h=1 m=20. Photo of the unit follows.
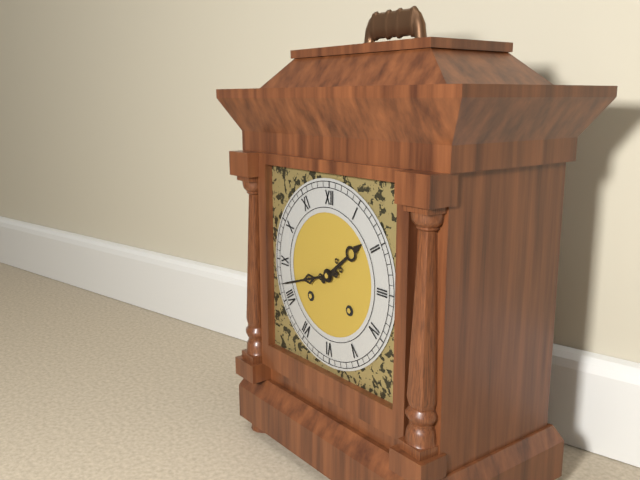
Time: h=1 m=42
